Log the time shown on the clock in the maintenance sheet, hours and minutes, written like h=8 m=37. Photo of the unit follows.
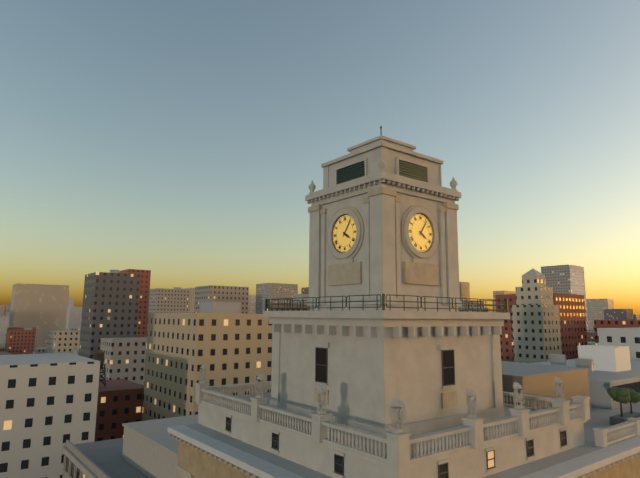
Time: h=4 m=6
